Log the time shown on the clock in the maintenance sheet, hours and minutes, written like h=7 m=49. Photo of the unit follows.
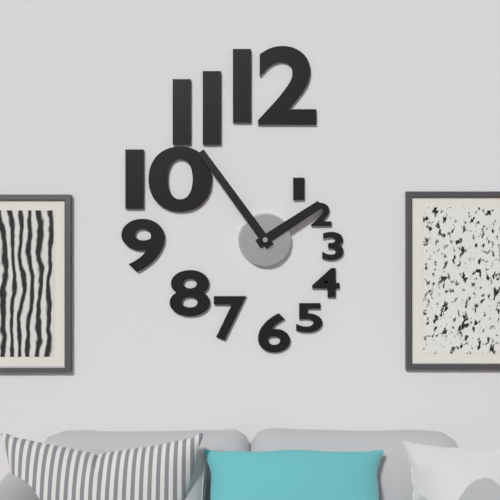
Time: h=1 m=54
